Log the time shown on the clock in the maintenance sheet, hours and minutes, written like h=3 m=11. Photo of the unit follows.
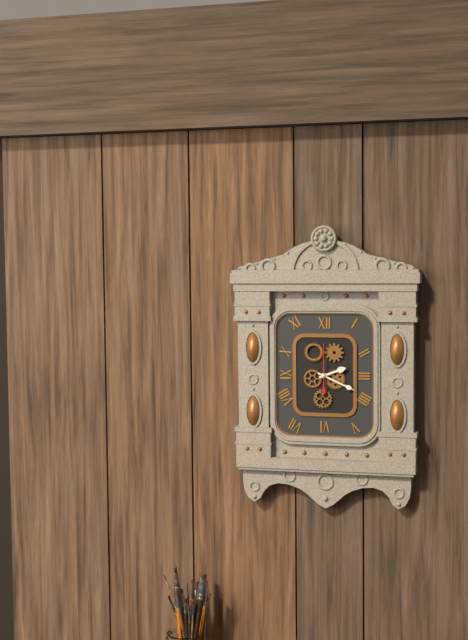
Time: h=2 m=19
